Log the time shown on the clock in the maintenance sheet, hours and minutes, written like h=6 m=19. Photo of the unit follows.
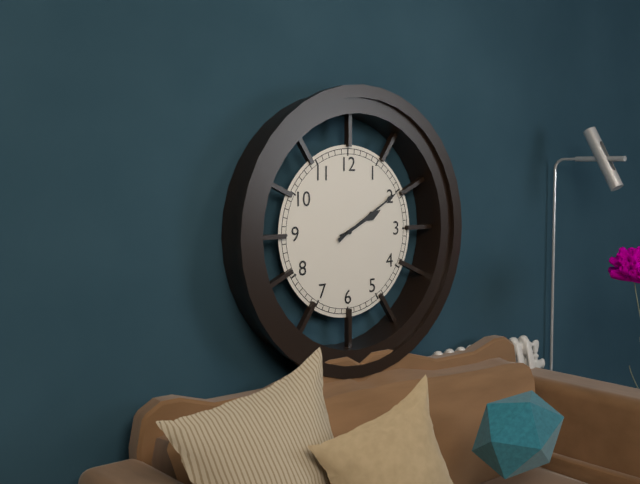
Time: h=2 m=10
